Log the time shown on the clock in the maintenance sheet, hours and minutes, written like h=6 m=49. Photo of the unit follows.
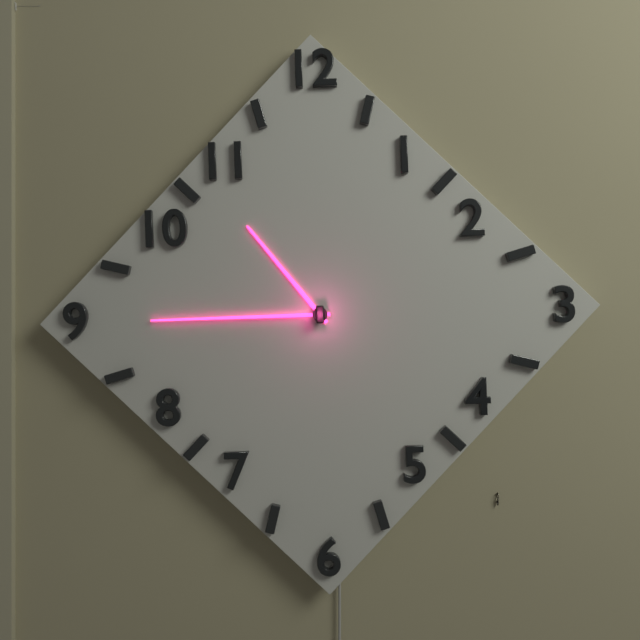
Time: h=10 m=45
